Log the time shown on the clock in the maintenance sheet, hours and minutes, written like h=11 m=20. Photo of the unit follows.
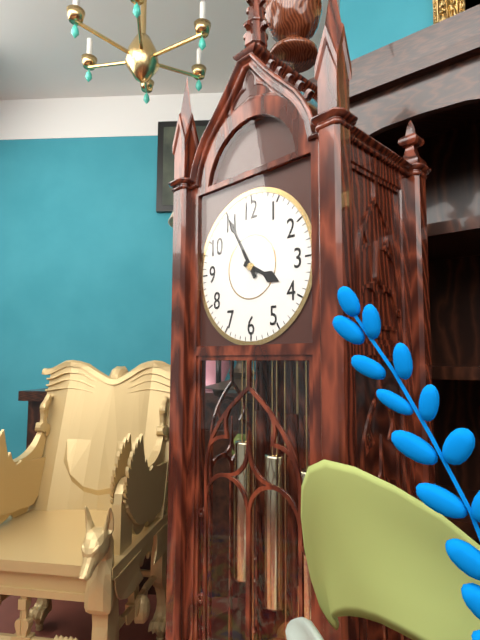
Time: h=3 m=55
